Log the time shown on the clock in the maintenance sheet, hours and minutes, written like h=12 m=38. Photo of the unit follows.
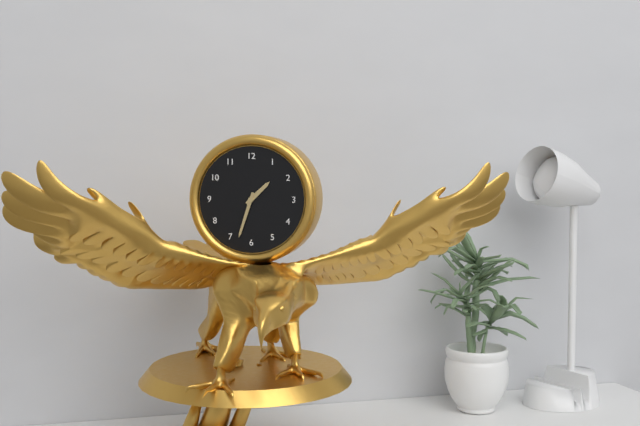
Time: h=1 m=33
